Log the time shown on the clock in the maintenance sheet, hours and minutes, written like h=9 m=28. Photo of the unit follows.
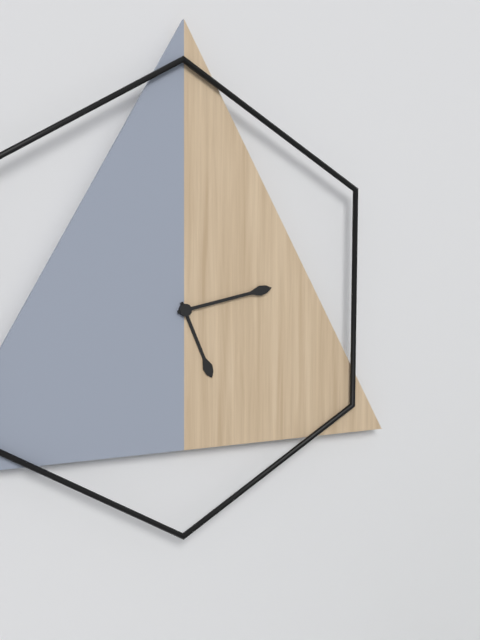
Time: h=5 m=13
